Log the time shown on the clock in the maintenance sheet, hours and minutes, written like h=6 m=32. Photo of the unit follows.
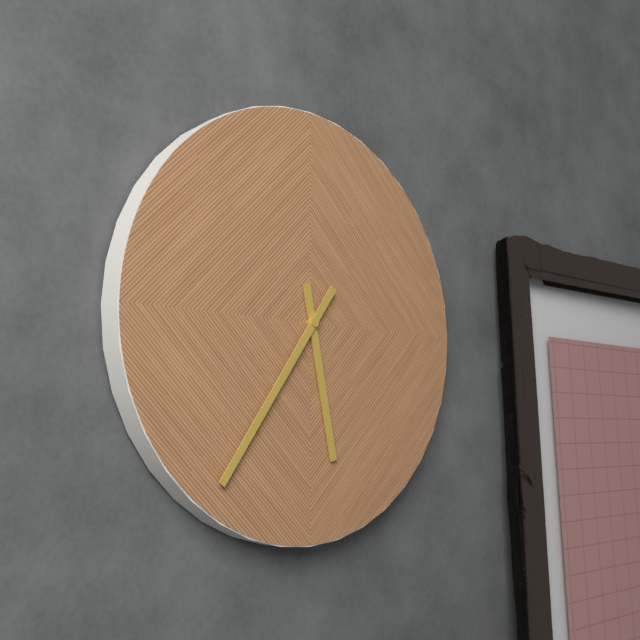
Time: h=5 m=36
